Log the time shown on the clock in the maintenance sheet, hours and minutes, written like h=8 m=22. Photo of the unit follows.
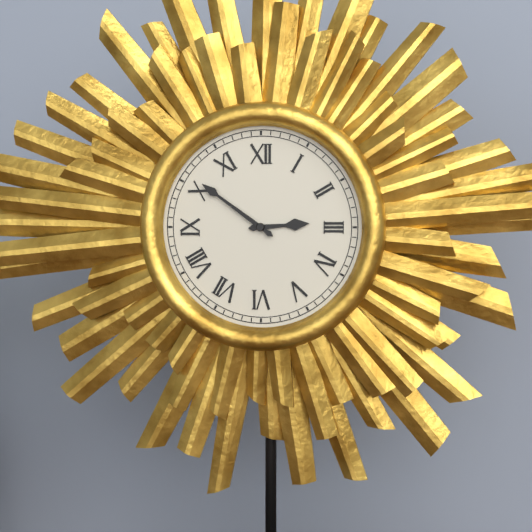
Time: h=2 m=51
